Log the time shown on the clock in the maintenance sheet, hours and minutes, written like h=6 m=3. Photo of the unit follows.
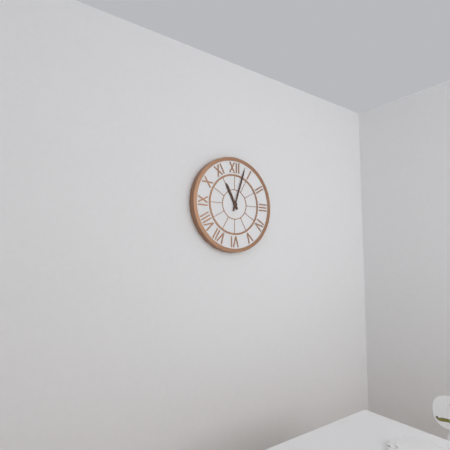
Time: h=11 m=3
